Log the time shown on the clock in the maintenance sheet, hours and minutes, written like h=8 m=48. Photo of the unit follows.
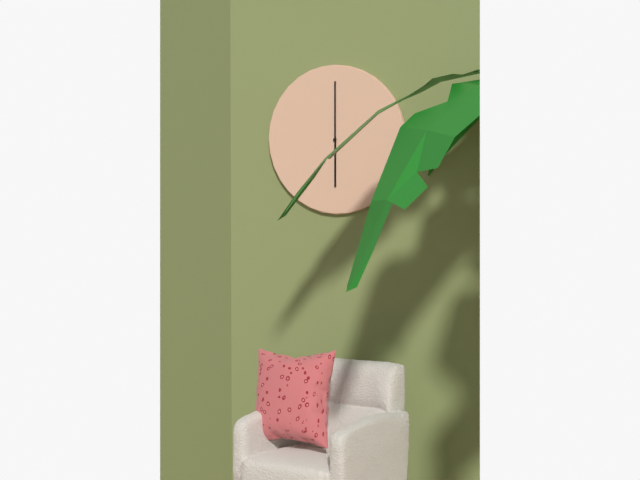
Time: h=6 m=0
